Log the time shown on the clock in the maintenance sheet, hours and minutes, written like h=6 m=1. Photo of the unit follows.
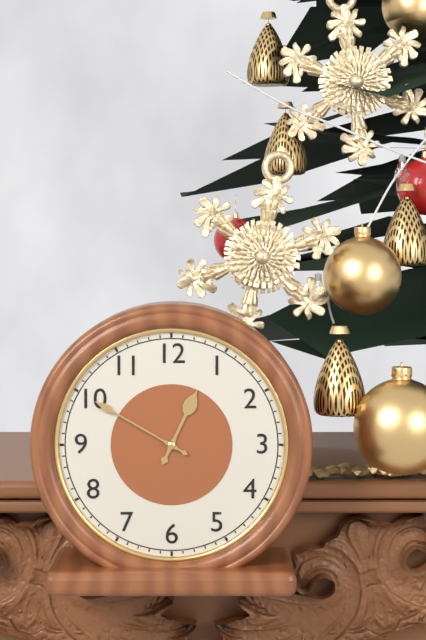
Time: h=12 m=50
